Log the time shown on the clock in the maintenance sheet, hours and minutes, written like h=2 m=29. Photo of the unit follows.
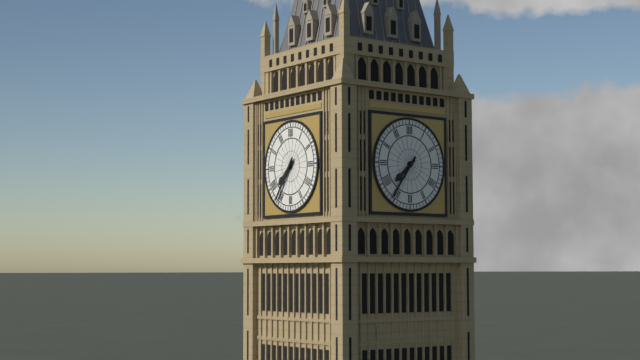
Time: h=7 m=36
